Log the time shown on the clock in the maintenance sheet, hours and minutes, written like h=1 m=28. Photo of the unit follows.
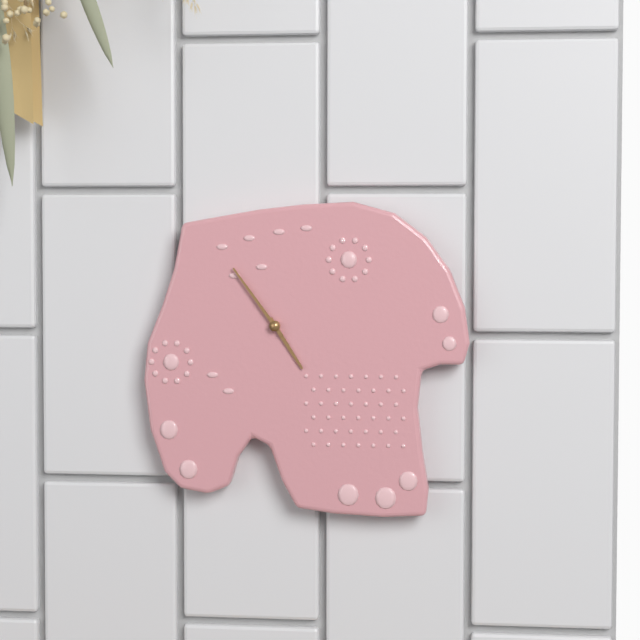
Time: h=4 m=54
